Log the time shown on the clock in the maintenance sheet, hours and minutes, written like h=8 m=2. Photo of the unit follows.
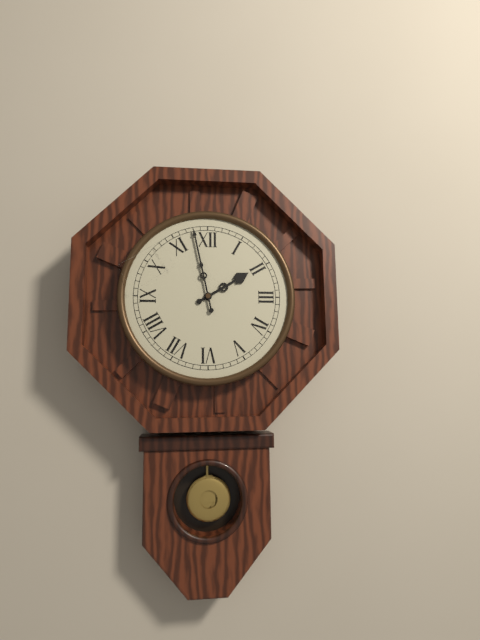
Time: h=1 m=58
